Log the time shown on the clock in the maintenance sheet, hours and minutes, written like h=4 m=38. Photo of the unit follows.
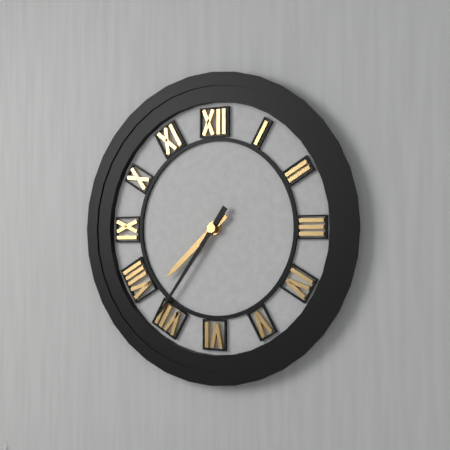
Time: h=7 m=36
